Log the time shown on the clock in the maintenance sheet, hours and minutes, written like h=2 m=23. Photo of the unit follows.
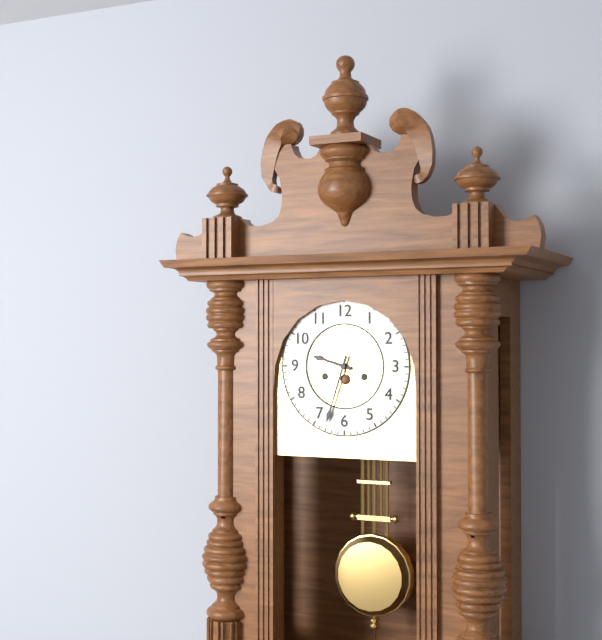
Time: h=9 m=33
